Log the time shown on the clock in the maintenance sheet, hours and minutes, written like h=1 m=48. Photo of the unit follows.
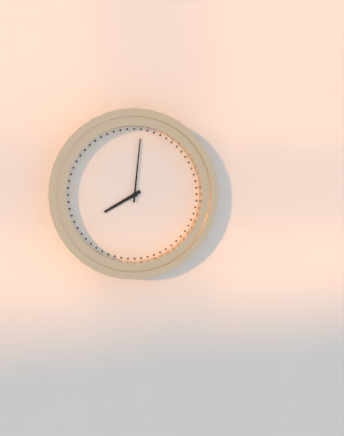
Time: h=8 m=1
